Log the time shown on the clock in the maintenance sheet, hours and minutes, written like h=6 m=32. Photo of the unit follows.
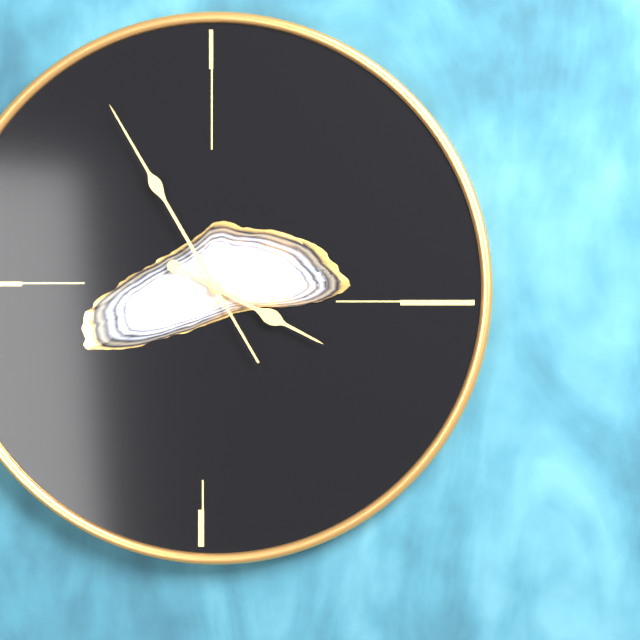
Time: h=3 m=55
